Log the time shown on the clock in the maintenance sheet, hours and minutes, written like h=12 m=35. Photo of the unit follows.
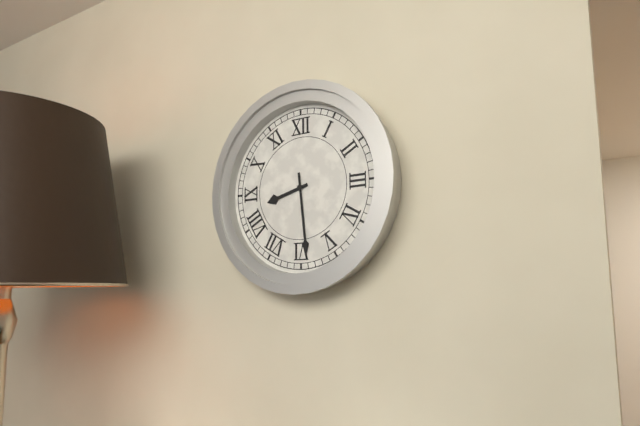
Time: h=8 m=29
